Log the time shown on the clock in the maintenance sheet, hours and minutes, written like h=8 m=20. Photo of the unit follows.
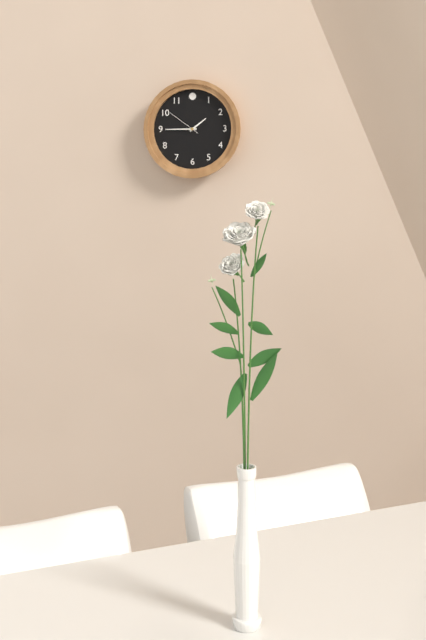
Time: h=1 m=45
